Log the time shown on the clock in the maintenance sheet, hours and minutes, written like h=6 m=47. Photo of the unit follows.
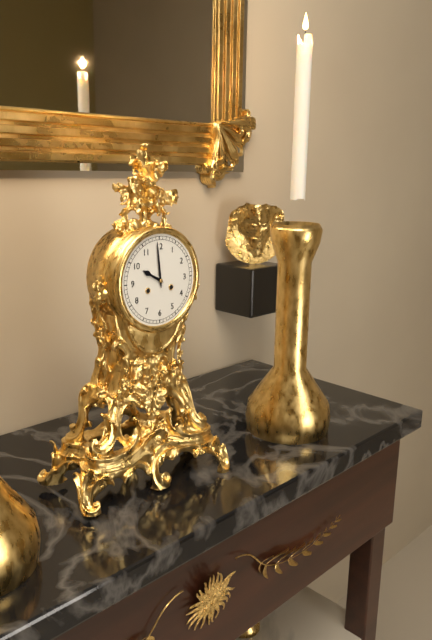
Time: h=9 m=59
